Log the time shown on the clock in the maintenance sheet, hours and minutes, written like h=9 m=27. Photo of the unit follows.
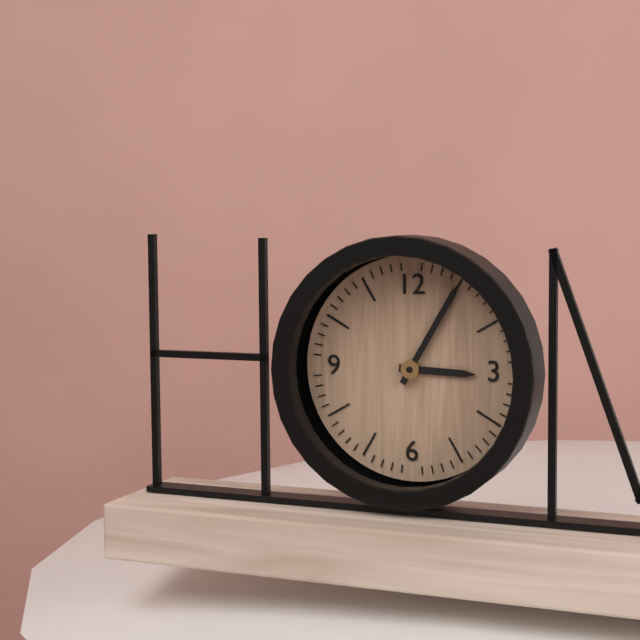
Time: h=3 m=5
